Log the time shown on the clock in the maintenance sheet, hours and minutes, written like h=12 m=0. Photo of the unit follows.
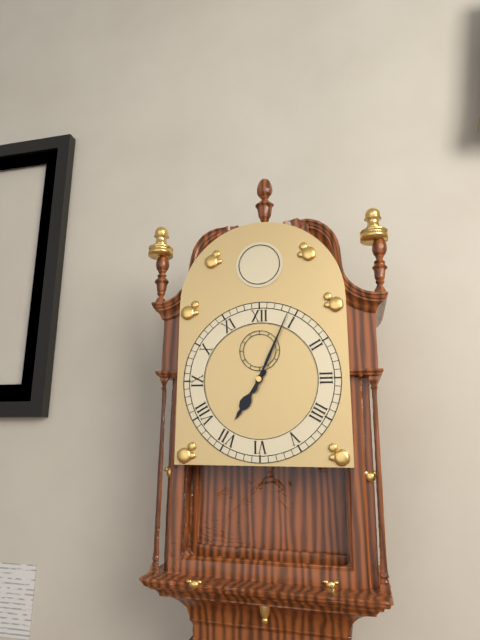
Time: h=7 m=4
